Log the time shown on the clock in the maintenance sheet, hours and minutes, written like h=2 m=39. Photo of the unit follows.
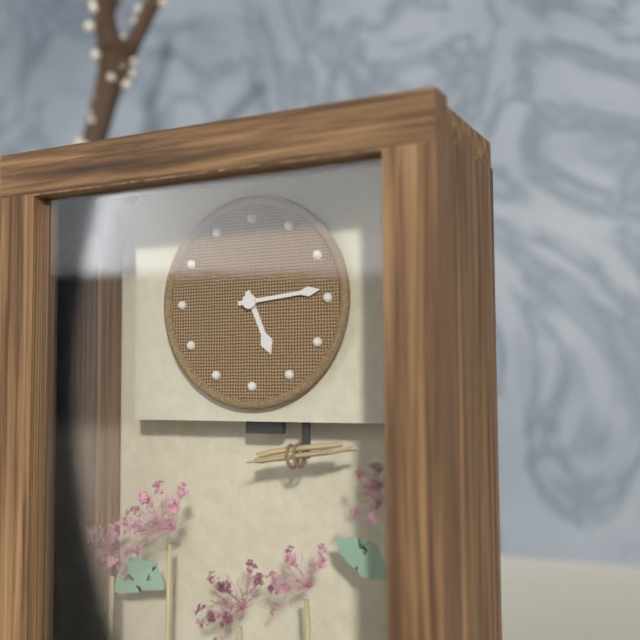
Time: h=5 m=14
